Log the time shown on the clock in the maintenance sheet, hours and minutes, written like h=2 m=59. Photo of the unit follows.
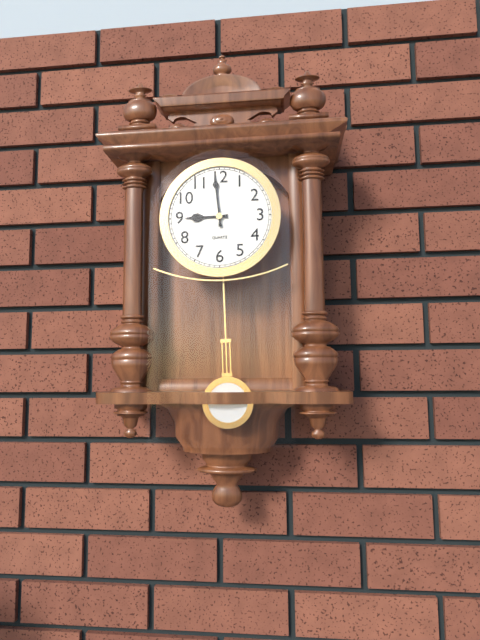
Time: h=8 m=59
